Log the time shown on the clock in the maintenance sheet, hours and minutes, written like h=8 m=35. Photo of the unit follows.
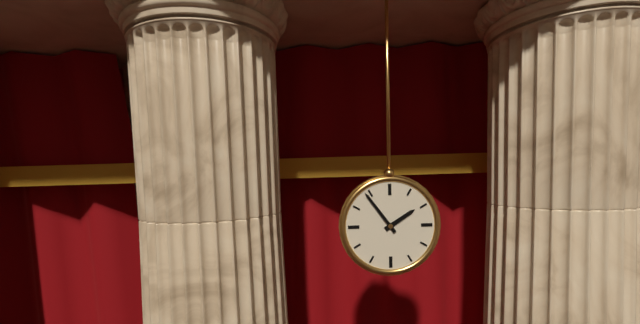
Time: h=1 m=54
